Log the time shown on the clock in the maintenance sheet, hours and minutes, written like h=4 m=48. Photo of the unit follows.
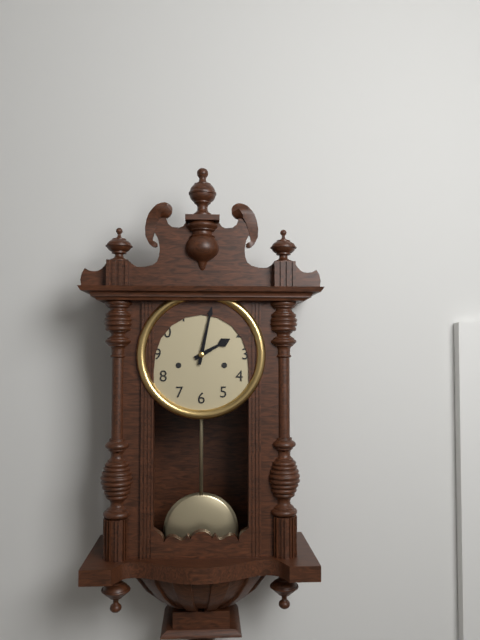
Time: h=2 m=2
